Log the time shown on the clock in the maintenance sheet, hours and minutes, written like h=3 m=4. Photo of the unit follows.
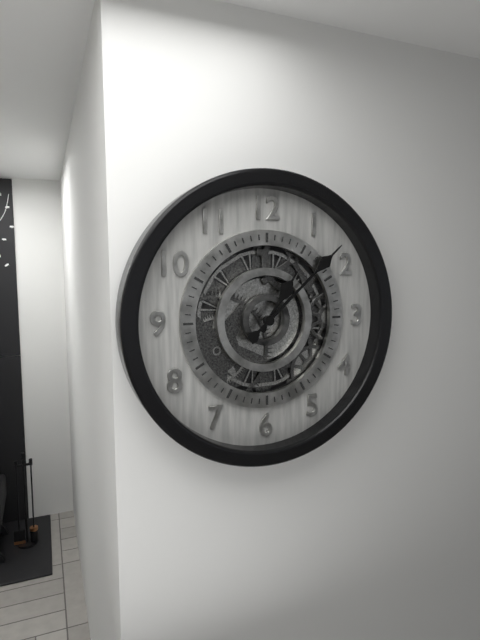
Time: h=1 m=8
